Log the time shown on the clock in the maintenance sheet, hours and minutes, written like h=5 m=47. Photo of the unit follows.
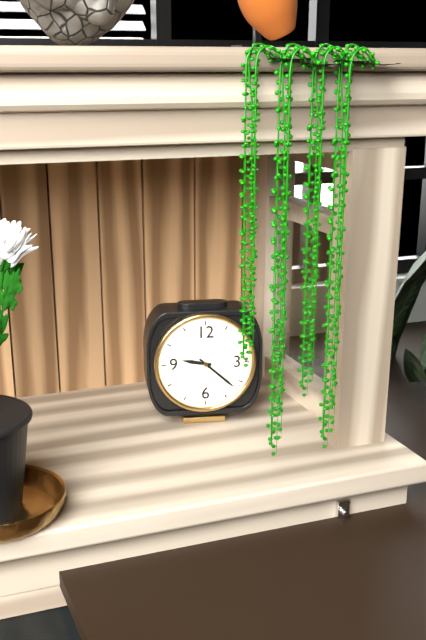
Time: h=9 m=22
